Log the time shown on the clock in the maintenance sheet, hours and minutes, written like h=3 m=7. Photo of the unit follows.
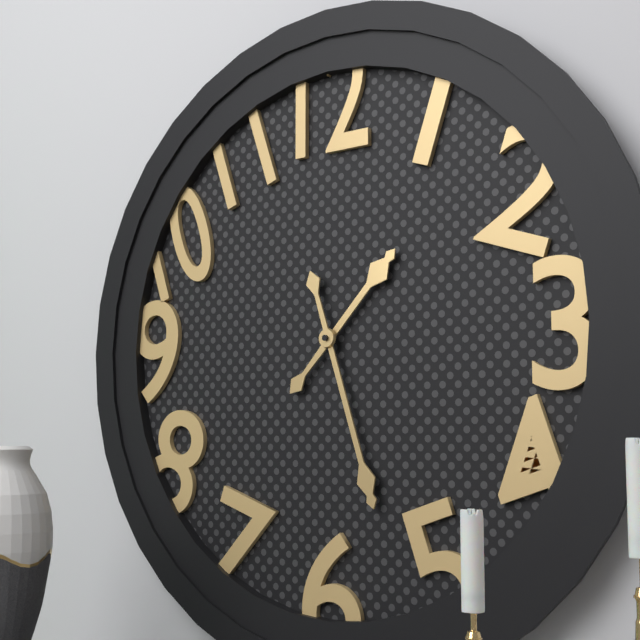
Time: h=1 m=27
